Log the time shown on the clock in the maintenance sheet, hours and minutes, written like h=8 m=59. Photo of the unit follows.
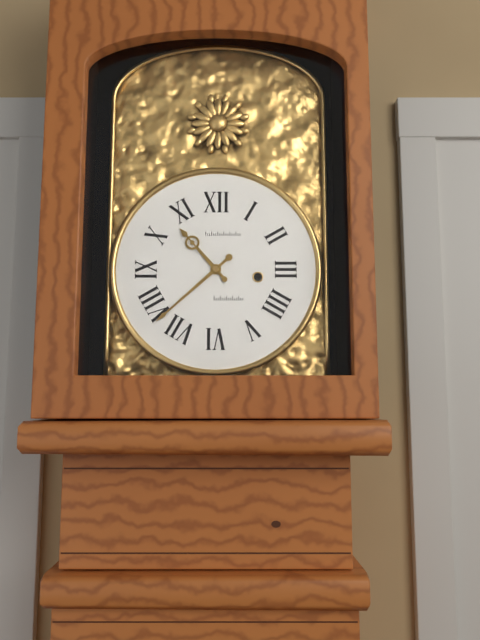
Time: h=10 m=38
